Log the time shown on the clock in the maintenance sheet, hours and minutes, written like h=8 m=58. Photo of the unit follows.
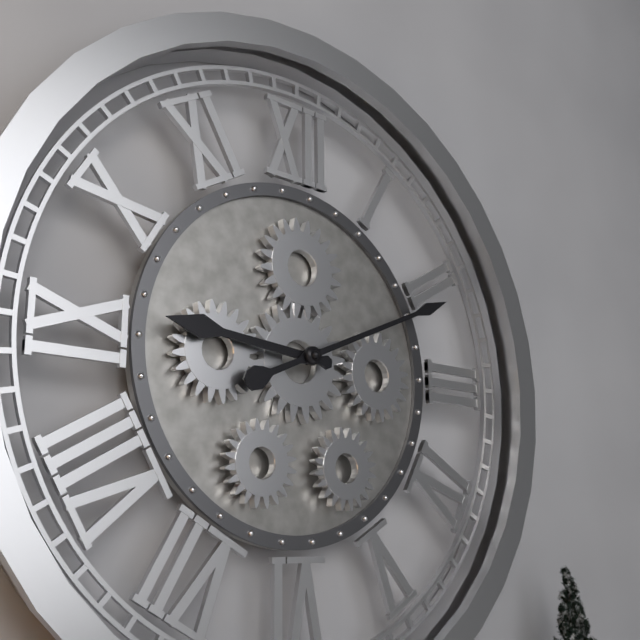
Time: h=9 m=11
